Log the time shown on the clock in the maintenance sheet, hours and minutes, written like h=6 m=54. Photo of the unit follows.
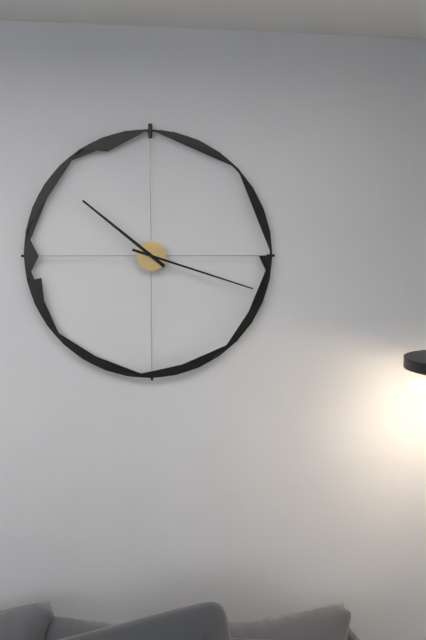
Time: h=10 m=18
